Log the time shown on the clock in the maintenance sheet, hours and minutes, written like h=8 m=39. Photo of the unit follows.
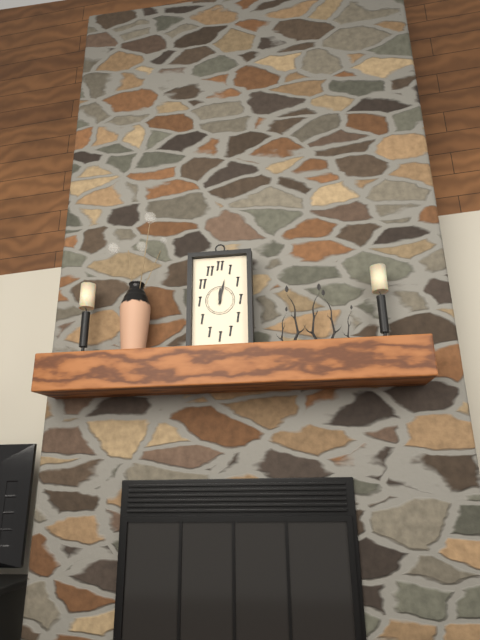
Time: h=12 m=2
